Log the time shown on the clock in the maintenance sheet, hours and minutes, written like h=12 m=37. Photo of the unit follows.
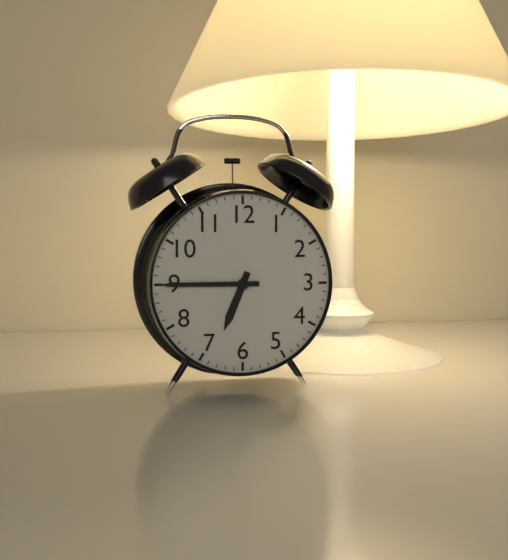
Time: h=6 m=45
